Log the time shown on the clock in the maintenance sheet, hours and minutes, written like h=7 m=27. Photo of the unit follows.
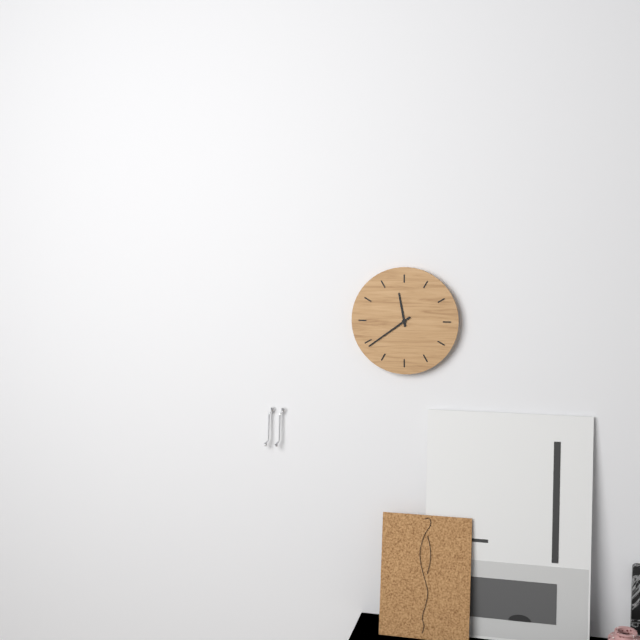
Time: h=11 m=39
